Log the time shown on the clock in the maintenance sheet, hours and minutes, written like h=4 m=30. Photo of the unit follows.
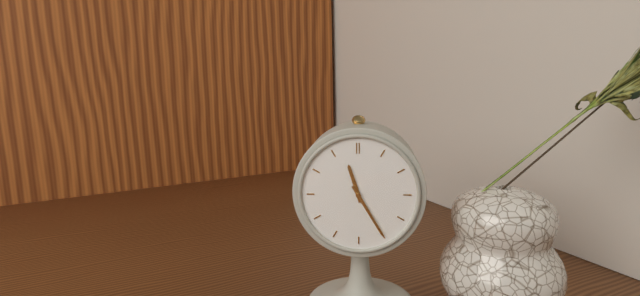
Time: h=11 m=25
